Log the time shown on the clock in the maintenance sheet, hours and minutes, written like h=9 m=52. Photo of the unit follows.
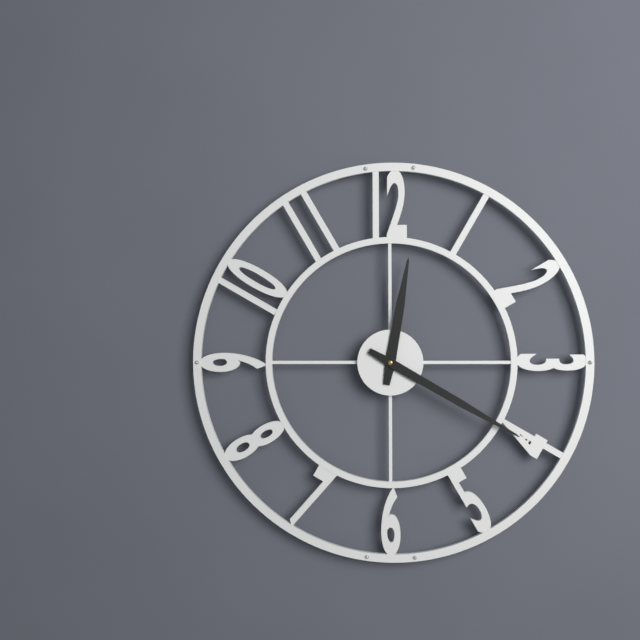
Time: h=12 m=20
